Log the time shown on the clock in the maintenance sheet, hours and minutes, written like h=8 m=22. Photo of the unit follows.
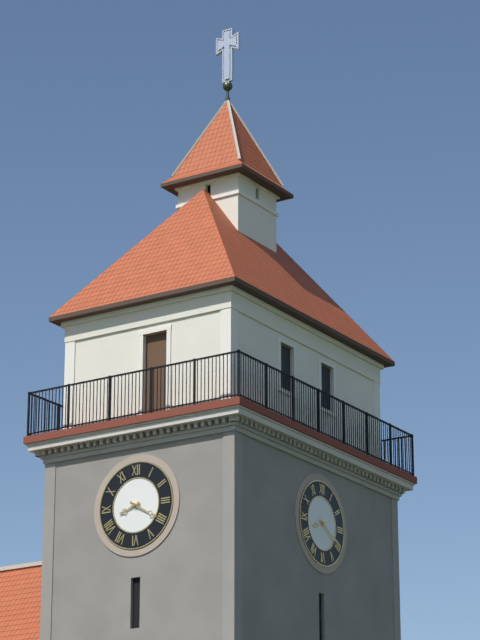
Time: h=8 m=20
